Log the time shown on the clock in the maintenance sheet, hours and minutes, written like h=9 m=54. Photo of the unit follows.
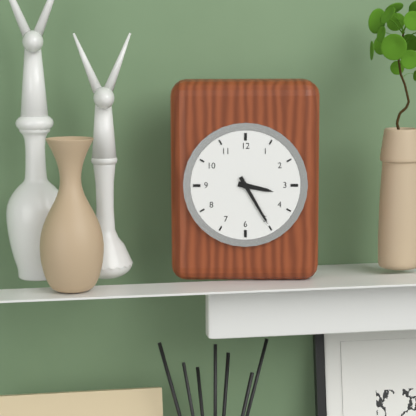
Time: h=3 m=25
